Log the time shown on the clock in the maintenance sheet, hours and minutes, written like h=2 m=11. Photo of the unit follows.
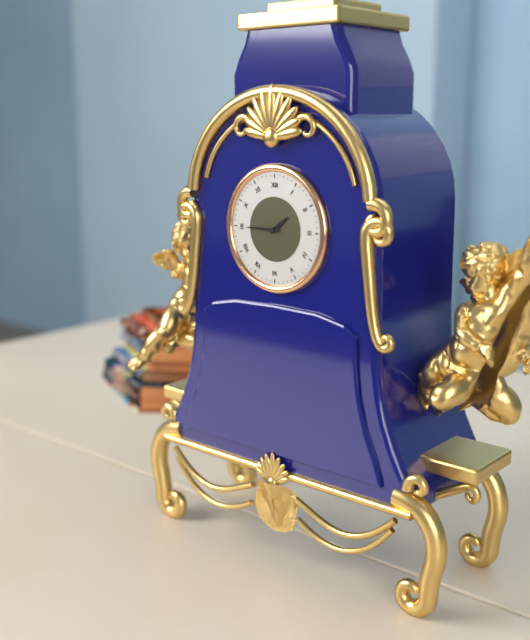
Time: h=1 m=45
